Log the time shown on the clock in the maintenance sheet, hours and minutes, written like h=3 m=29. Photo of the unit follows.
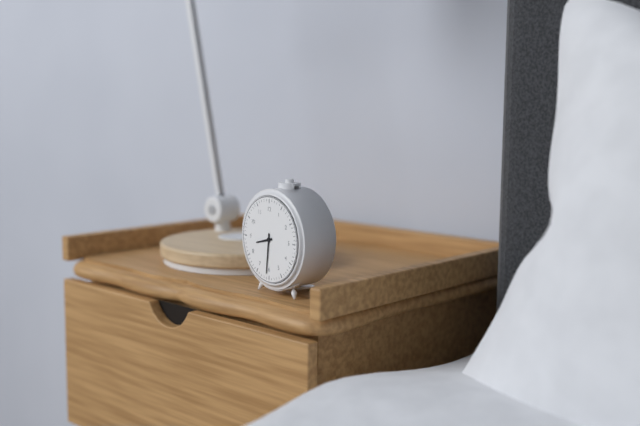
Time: h=8 m=31
